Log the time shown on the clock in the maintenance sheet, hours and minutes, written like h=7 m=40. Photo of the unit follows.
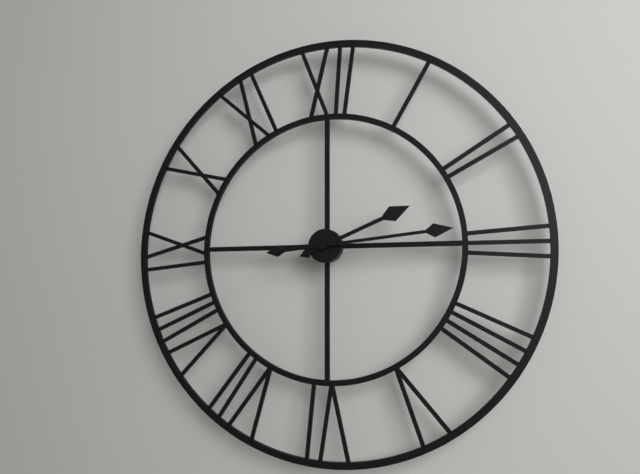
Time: h=2 m=14
